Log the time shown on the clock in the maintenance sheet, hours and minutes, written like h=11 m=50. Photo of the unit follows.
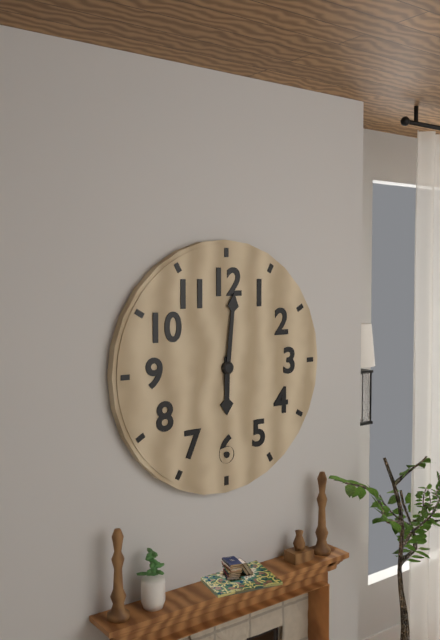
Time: h=6 m=1
